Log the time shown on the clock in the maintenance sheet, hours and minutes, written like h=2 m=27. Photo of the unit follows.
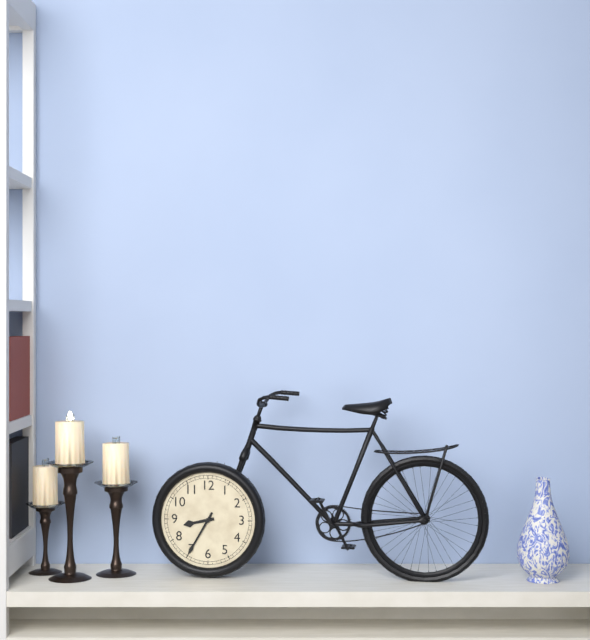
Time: h=8 m=35
